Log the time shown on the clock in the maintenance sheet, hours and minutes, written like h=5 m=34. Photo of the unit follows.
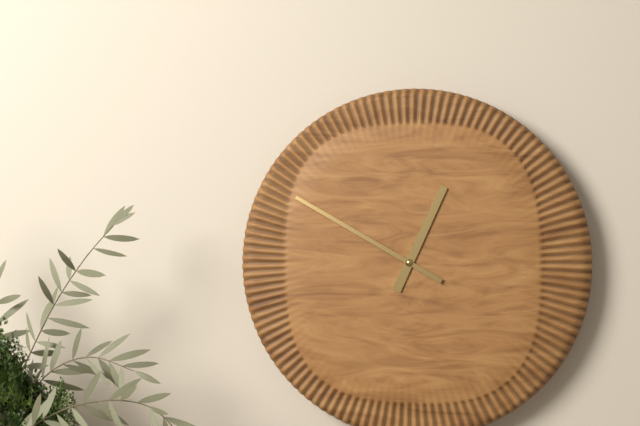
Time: h=12 m=50
